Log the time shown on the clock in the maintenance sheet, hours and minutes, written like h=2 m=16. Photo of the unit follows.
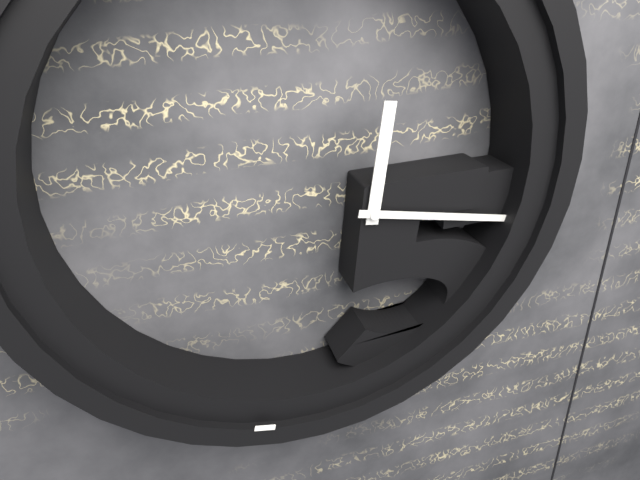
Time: h=12 m=17
